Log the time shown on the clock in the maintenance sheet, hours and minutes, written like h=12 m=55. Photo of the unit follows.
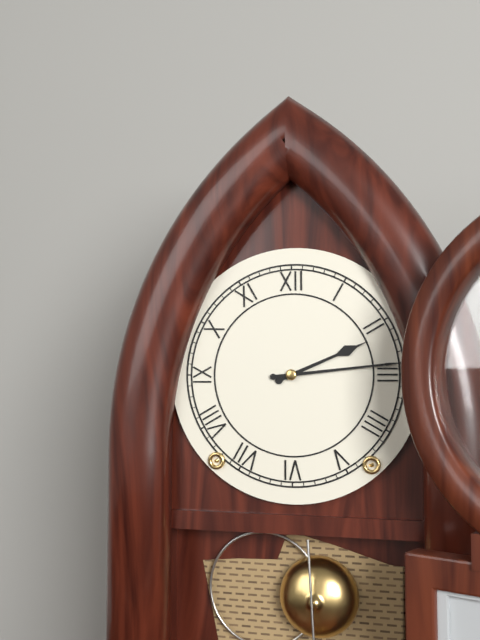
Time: h=2 m=14
